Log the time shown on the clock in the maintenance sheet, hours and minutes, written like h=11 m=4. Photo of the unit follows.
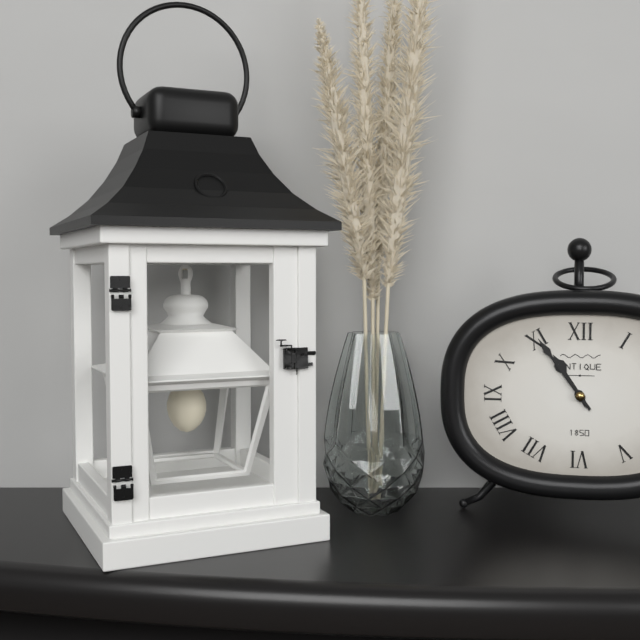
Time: h=10 m=54
